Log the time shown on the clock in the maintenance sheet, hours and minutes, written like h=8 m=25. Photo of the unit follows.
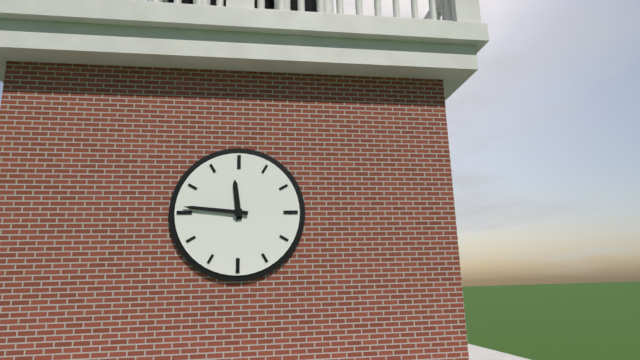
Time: h=11 m=46
